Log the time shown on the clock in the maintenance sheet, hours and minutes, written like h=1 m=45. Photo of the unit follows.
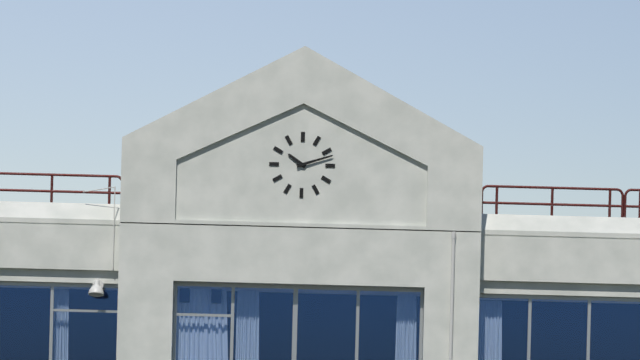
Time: h=10 m=12
